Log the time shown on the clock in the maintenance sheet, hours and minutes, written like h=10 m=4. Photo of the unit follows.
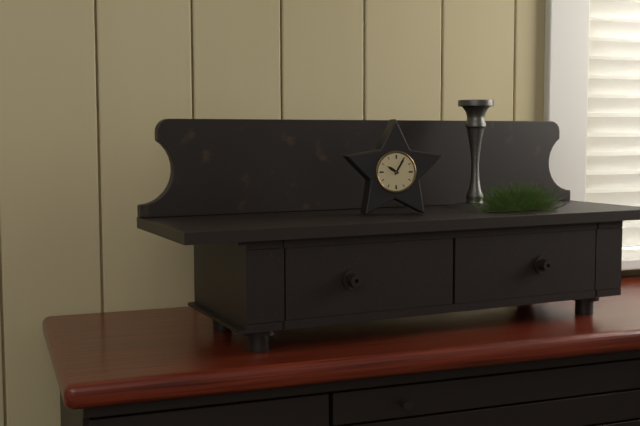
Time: h=10 m=5
